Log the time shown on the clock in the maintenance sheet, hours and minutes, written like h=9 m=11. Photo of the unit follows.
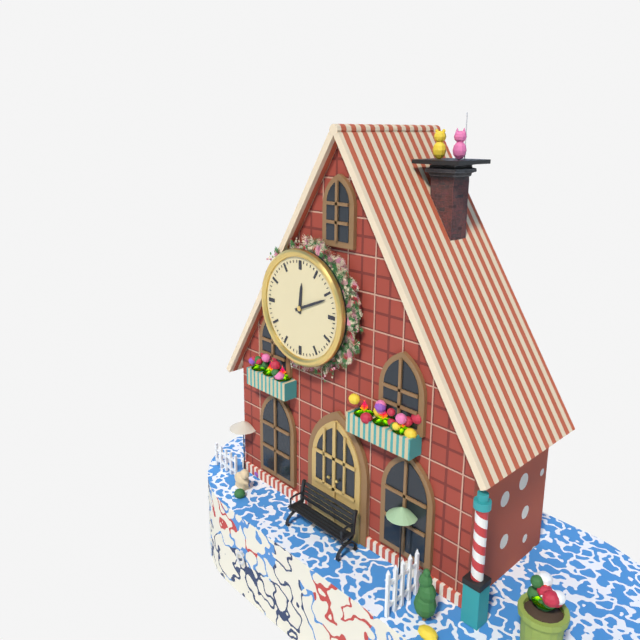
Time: h=12 m=11
